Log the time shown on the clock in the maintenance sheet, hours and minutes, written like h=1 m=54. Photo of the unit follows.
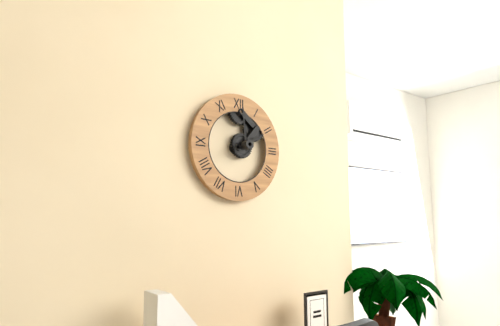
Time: h=1 m=59
